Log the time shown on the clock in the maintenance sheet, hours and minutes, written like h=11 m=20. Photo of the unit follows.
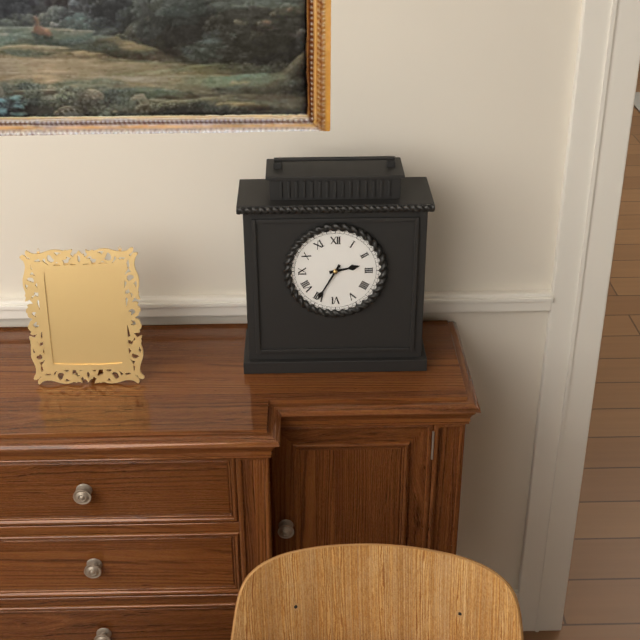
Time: h=2 m=35
